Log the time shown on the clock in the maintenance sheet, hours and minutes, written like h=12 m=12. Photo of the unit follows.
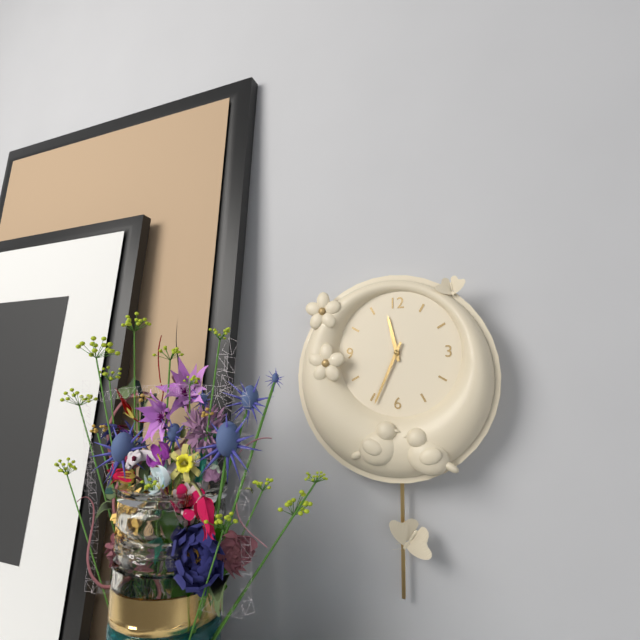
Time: h=11 m=34
